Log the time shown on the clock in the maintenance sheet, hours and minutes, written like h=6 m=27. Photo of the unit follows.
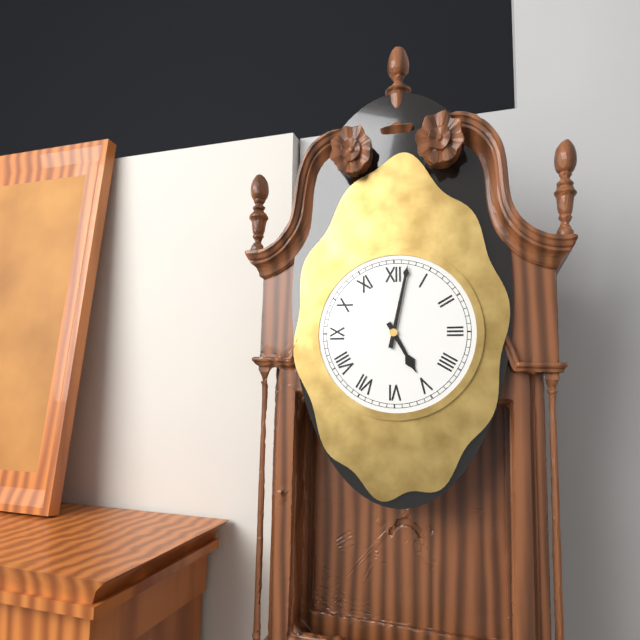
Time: h=5 m=2
